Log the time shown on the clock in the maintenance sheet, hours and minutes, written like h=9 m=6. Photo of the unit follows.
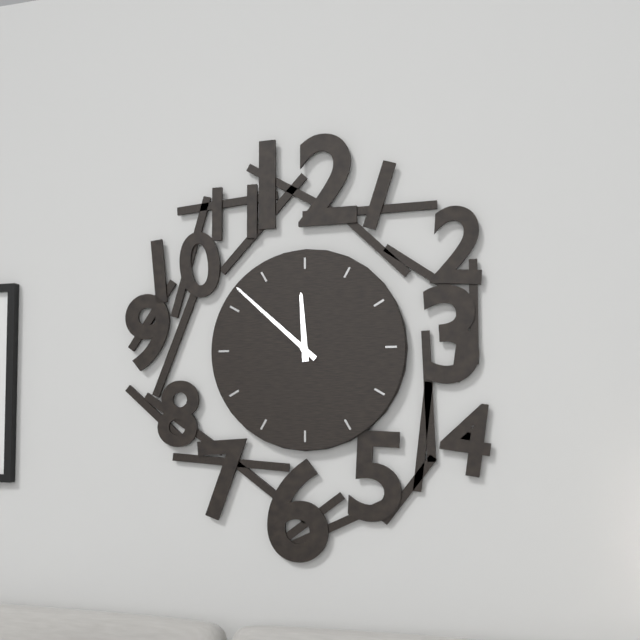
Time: h=11 m=52
